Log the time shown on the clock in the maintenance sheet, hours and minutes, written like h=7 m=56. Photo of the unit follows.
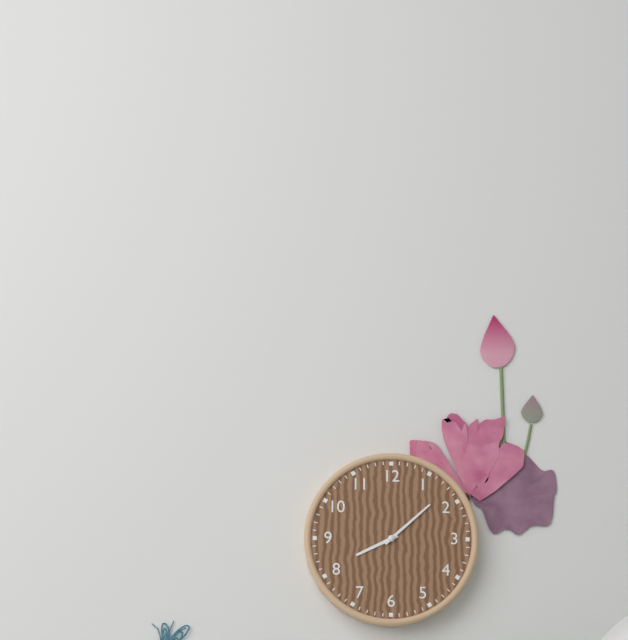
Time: h=8 m=8
